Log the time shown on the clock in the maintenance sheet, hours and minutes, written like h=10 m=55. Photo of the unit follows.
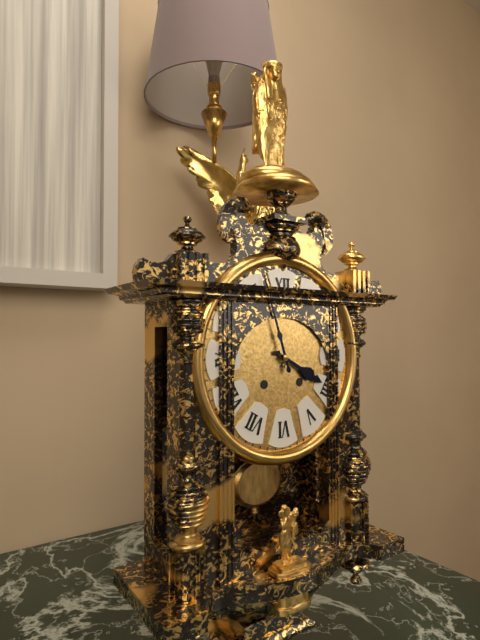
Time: h=3 m=57
